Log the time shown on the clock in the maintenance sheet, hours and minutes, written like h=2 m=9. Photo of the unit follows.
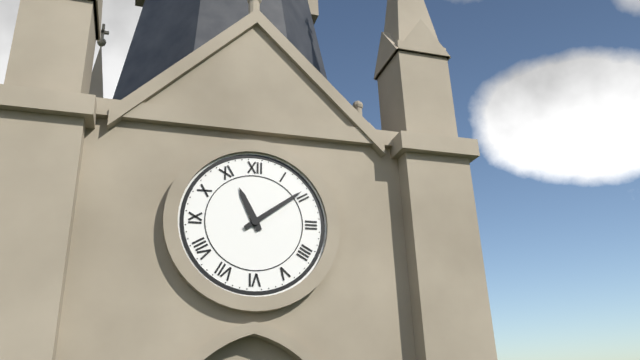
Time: h=11 m=9
